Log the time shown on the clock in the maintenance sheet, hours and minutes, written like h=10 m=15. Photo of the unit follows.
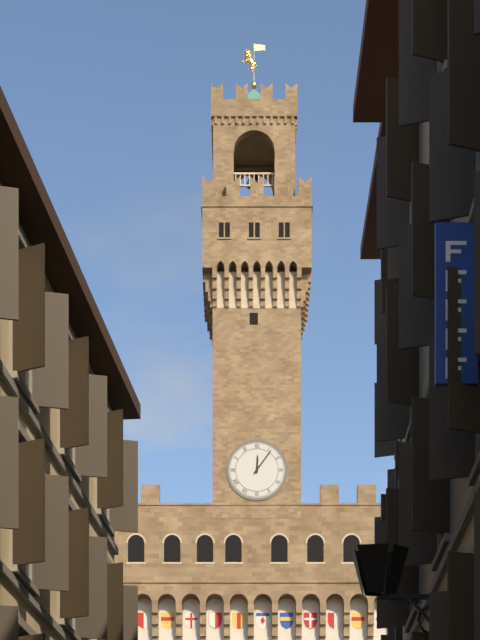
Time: h=12 m=6
